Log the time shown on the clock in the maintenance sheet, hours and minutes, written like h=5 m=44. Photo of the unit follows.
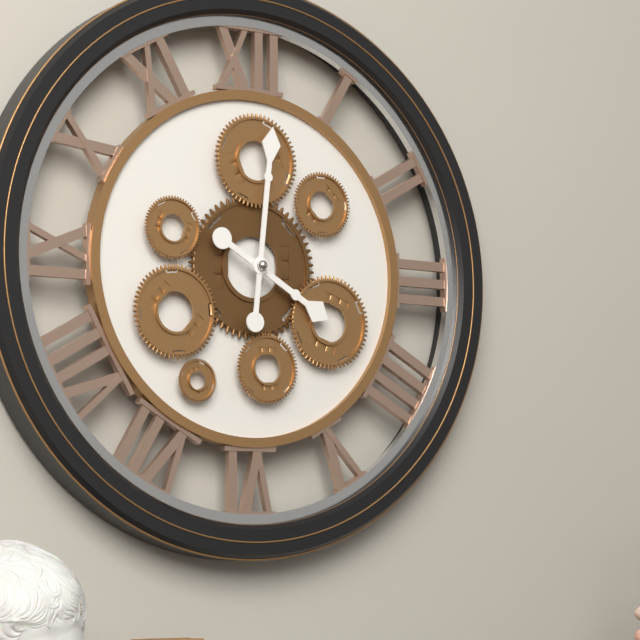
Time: h=4 m=1
